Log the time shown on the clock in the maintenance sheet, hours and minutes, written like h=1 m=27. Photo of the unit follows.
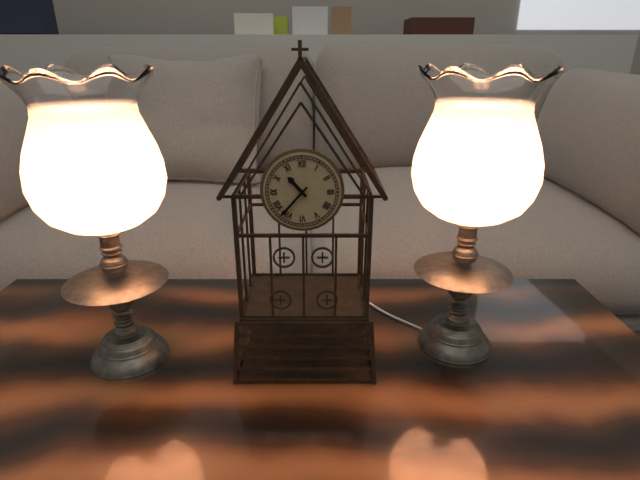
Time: h=10 m=37
